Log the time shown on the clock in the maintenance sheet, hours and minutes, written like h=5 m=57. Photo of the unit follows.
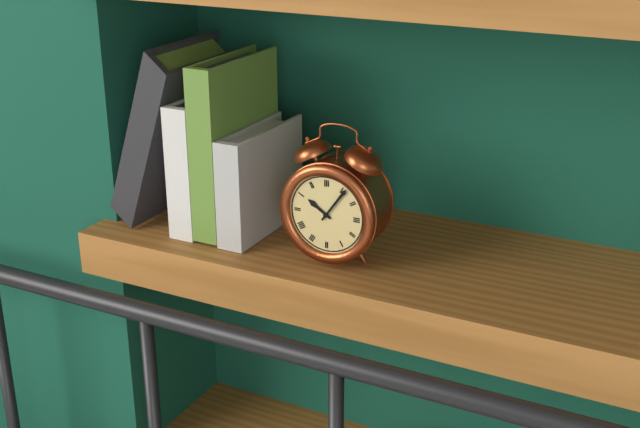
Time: h=10 m=6
